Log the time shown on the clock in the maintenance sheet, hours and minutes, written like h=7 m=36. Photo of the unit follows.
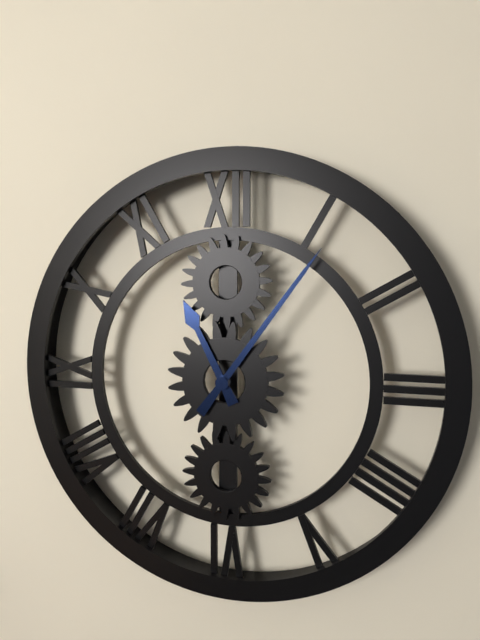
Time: h=11 m=6
